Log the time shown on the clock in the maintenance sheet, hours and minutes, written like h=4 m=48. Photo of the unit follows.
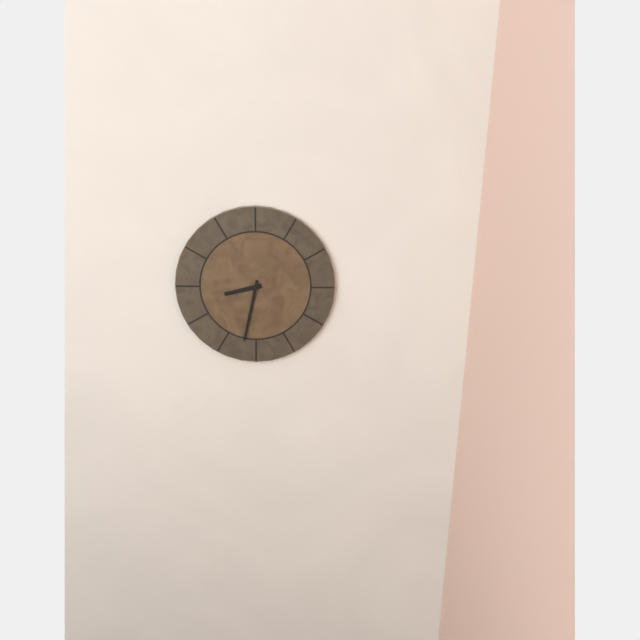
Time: h=8 m=32
